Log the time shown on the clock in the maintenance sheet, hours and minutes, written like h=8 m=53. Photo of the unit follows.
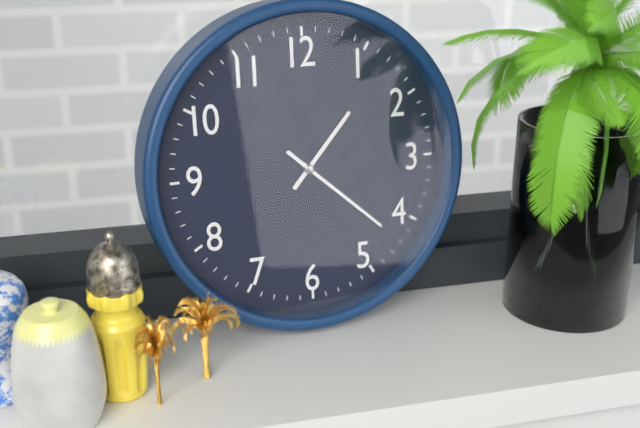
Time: h=1 m=22
